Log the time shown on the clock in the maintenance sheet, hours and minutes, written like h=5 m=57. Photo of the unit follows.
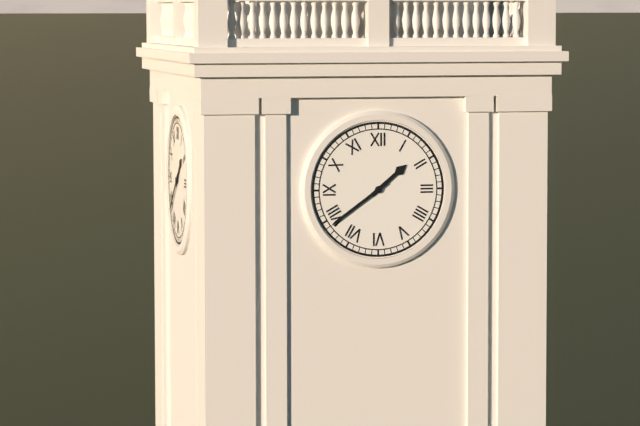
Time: h=1 m=39
